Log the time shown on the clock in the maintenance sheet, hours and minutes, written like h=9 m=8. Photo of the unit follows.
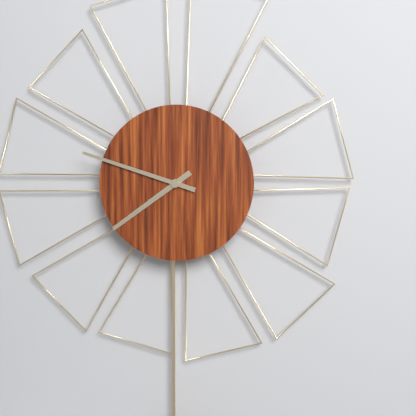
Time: h=7 m=48
